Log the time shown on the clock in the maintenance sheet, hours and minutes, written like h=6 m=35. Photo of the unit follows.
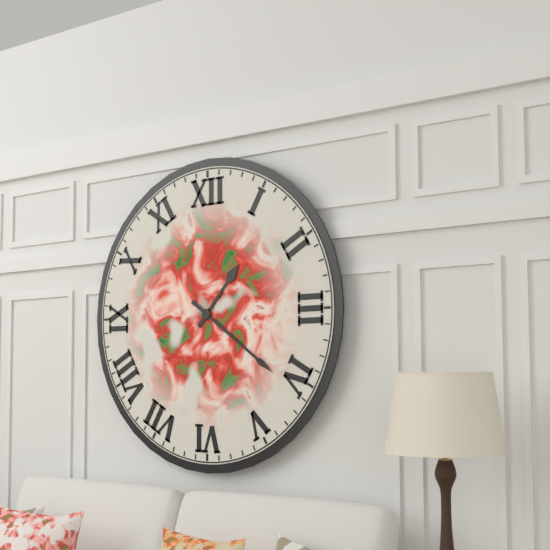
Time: h=1 m=21
